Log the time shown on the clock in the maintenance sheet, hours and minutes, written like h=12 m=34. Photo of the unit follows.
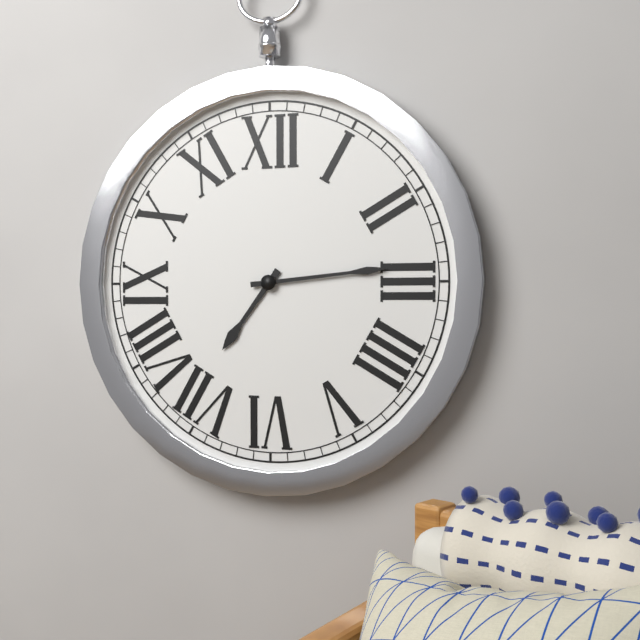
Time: h=7 m=14
